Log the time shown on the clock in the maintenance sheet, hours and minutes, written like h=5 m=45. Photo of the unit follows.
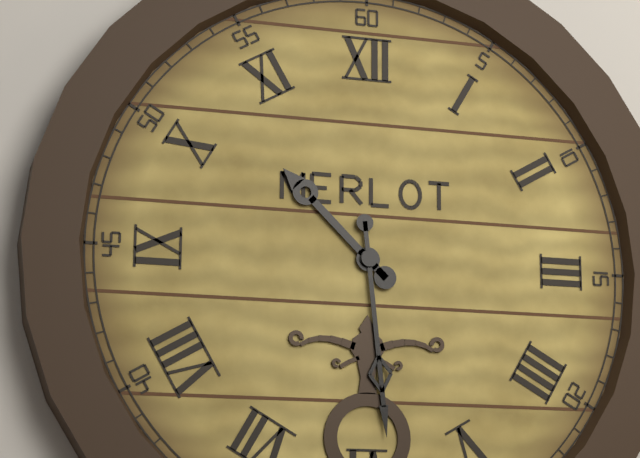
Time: h=10 m=29
